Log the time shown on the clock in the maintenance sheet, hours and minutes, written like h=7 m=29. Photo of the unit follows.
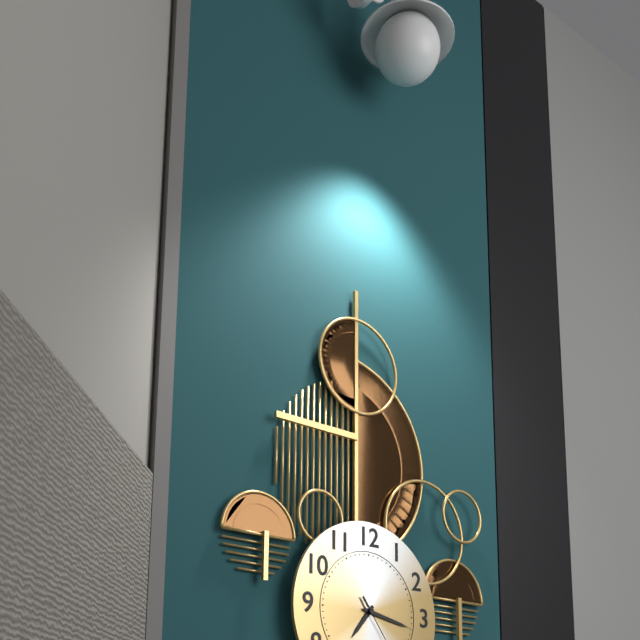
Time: h=7 m=17
